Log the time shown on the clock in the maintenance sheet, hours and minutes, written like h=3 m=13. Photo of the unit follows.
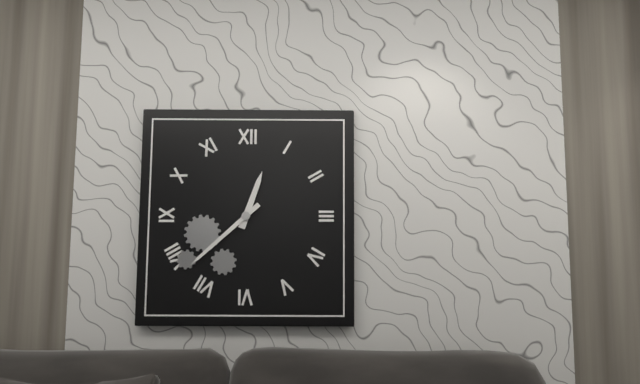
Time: h=12 m=38
